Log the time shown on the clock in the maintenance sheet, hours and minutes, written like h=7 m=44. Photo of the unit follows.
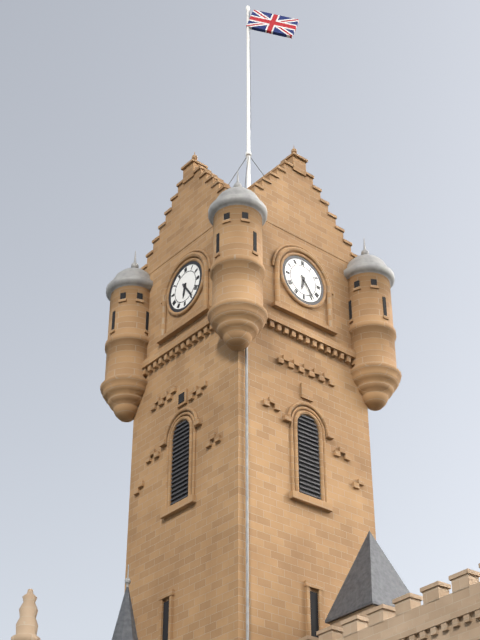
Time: h=6 m=24
